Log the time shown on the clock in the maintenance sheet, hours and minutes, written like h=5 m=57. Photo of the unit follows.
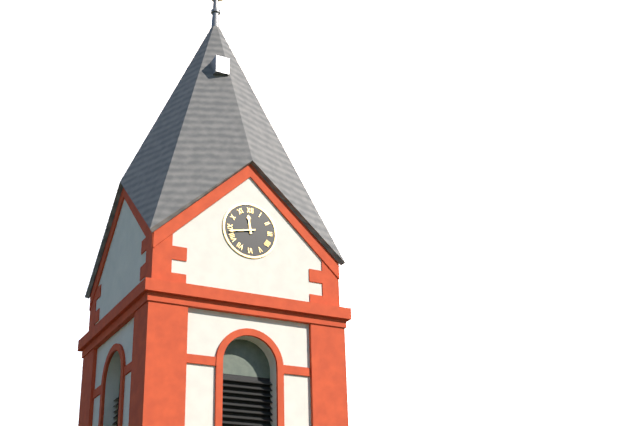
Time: h=11 m=43
